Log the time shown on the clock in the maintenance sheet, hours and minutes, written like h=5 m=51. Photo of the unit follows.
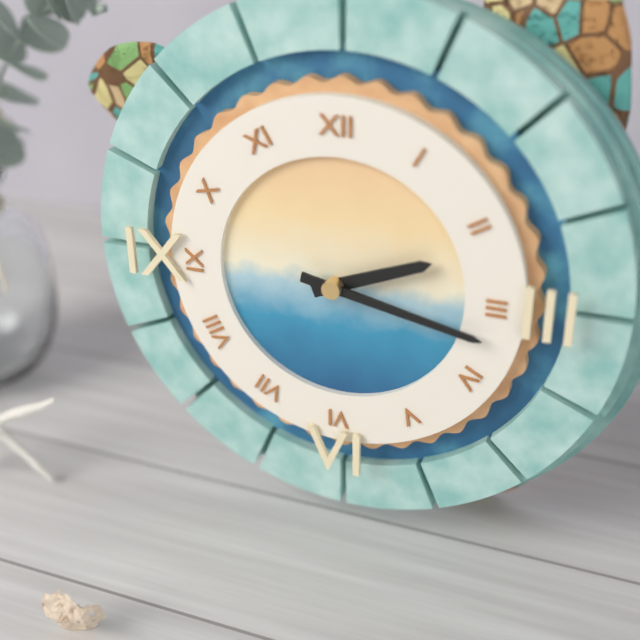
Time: h=2 m=17
